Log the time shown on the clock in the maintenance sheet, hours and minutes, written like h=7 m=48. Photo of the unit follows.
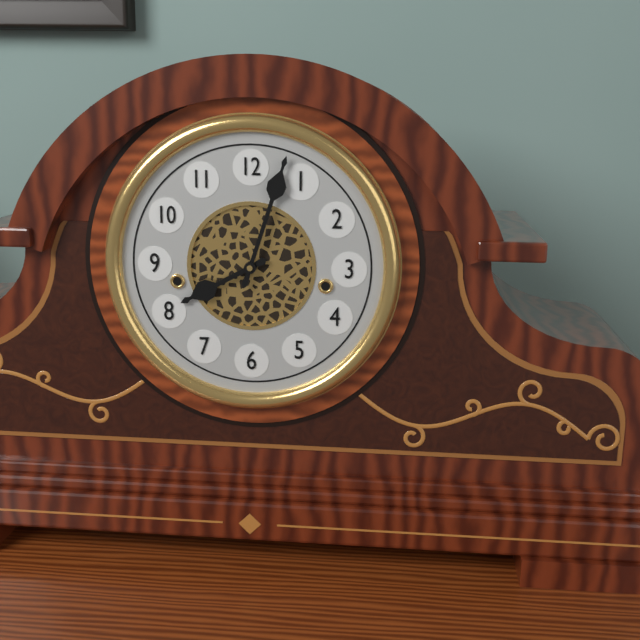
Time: h=8 m=3
